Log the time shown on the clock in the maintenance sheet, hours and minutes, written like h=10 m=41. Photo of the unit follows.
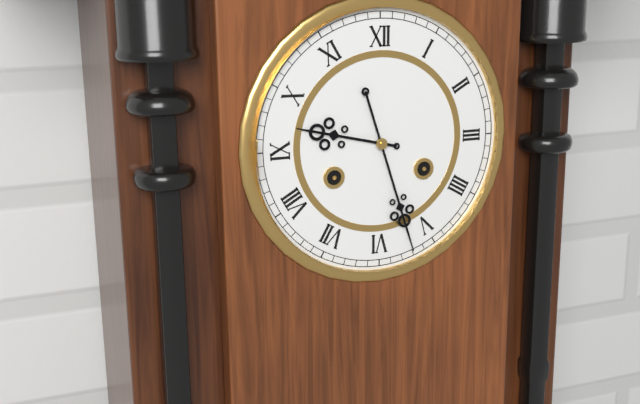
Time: h=9 m=27
